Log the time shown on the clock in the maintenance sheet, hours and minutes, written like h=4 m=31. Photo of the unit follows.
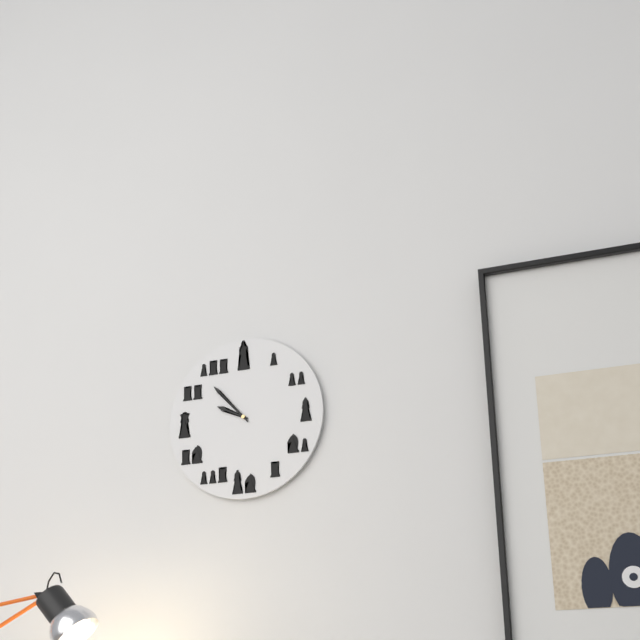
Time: h=9 m=53
